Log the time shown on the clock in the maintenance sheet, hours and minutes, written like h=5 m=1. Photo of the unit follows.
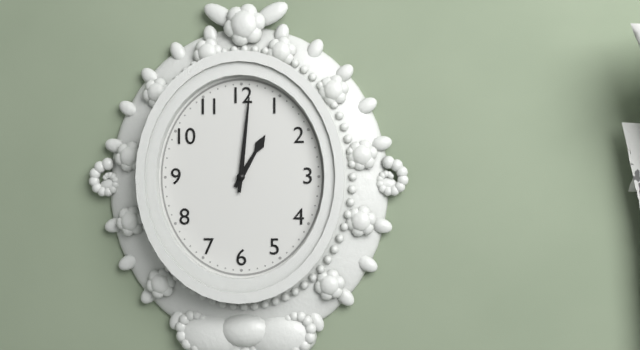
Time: h=1 m=1
